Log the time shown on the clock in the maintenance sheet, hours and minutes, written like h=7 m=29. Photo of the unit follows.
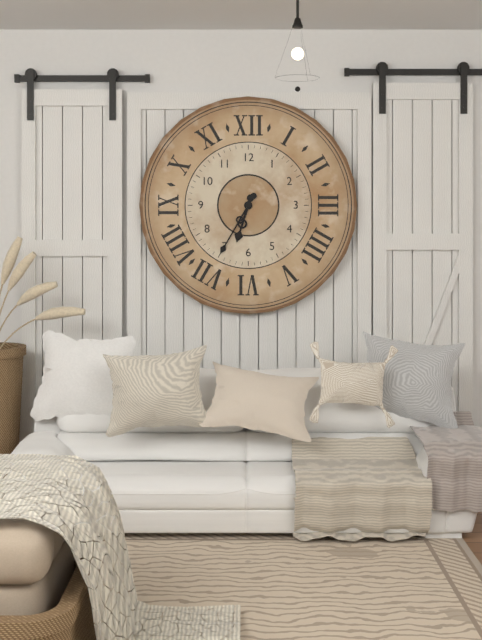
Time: h=6 m=35
